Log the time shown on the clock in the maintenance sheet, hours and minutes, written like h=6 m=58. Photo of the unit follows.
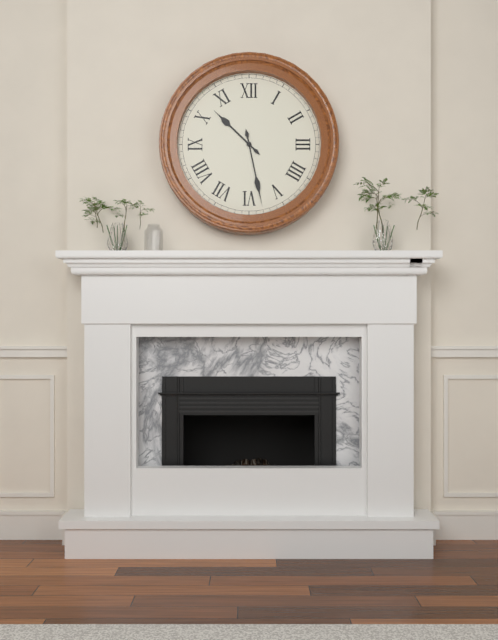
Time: h=10 m=28
